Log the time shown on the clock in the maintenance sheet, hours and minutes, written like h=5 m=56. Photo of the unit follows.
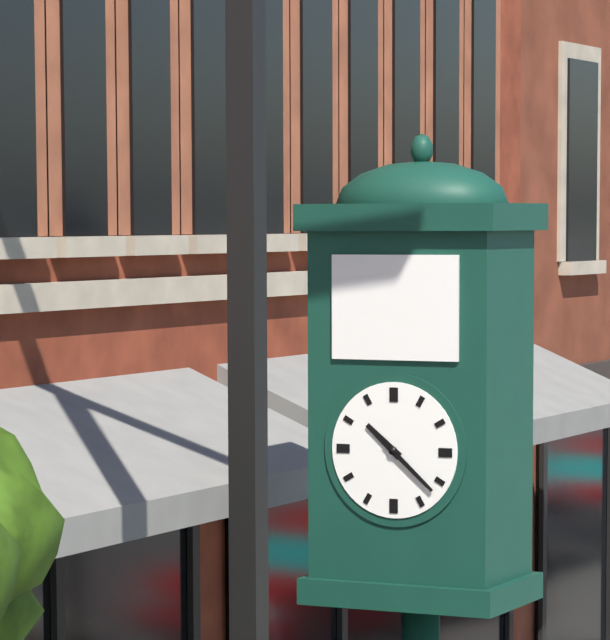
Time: h=10 m=22
